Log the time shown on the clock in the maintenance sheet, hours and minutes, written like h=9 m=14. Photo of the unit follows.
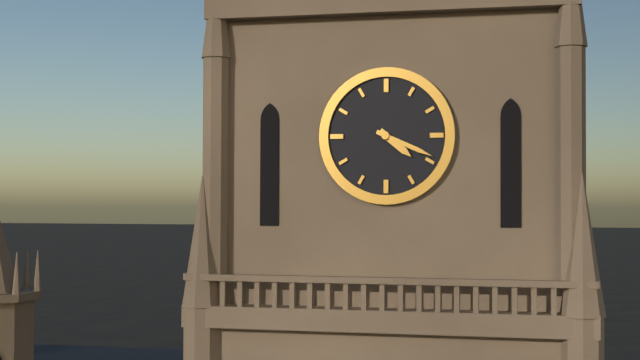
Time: h=4 m=19
